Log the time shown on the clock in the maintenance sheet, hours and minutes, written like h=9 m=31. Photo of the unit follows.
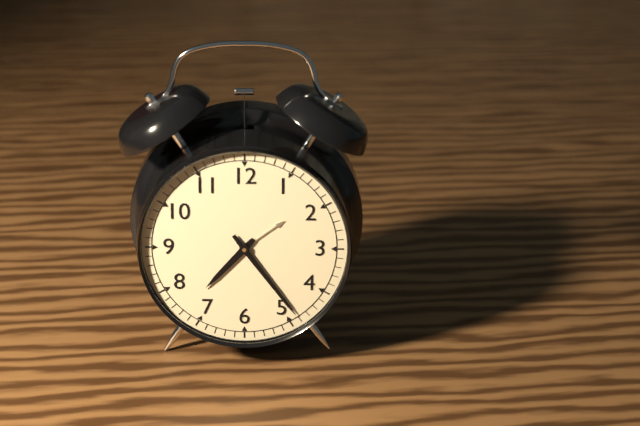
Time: h=7 m=24
